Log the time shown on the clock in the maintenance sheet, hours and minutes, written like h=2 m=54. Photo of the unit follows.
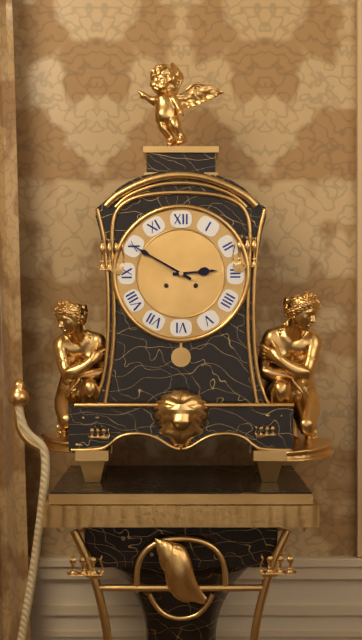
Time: h=2 m=50
